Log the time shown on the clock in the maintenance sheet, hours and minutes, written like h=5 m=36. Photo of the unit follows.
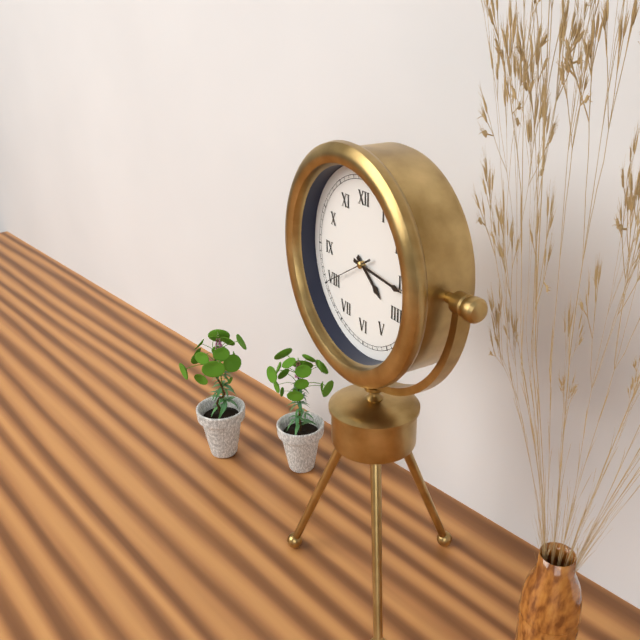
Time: h=4 m=16
